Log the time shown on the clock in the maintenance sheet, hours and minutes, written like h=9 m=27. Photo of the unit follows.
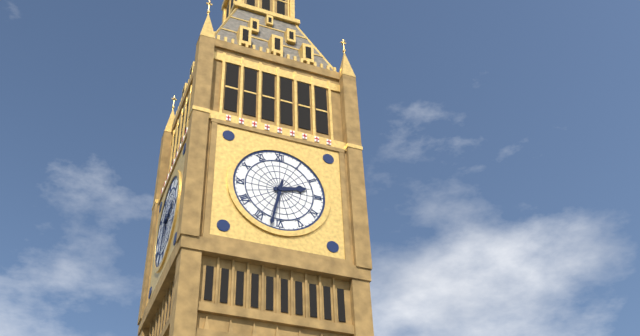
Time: h=2 m=32
